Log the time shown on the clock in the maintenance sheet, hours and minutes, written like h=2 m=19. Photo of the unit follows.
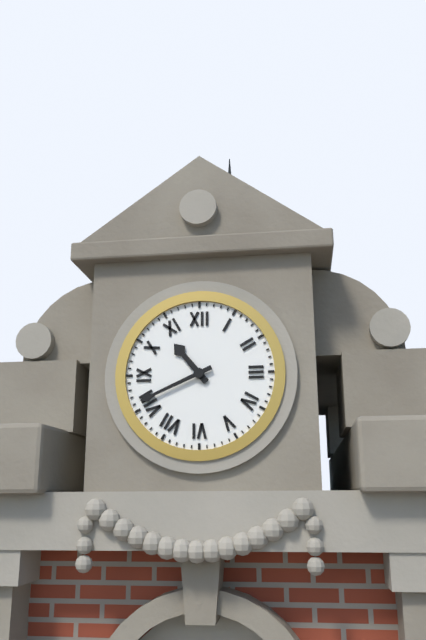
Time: h=10 m=41
